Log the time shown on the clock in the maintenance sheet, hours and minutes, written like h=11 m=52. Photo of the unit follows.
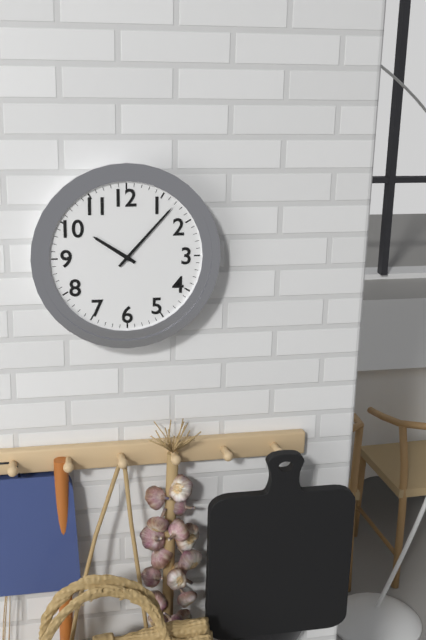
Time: h=10 m=7
